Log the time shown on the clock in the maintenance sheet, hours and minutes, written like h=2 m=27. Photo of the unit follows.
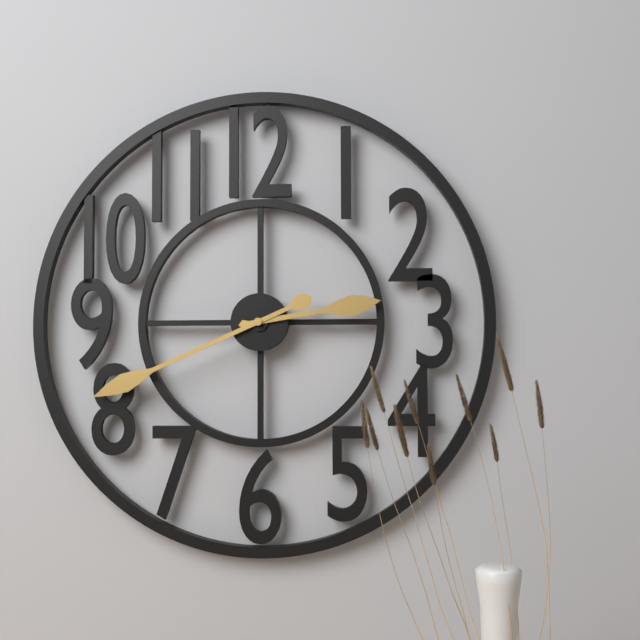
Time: h=2 m=41
